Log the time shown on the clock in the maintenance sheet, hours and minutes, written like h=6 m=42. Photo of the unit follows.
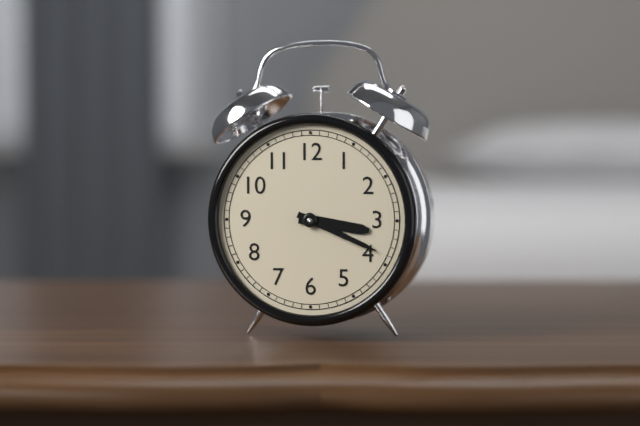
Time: h=3 m=19
